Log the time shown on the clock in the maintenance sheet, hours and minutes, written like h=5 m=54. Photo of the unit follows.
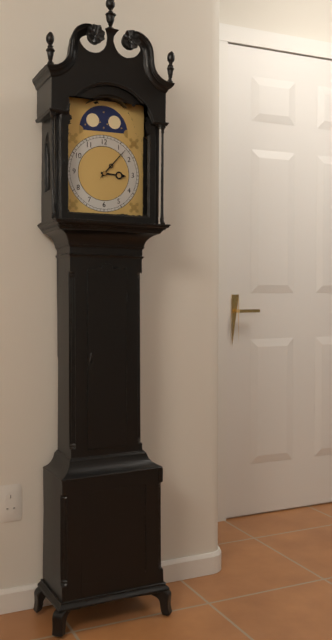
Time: h=3 m=7
